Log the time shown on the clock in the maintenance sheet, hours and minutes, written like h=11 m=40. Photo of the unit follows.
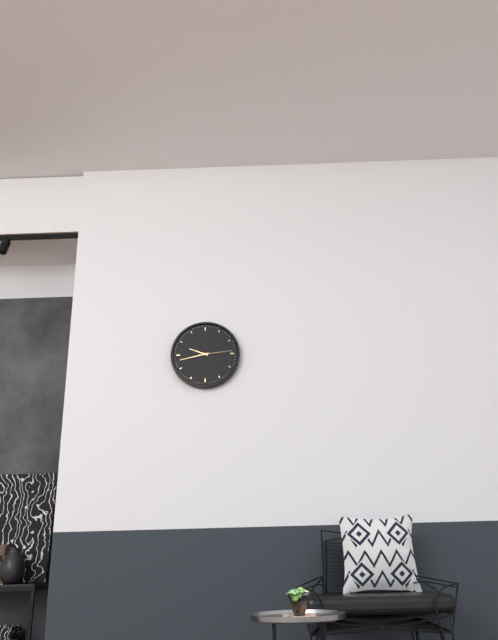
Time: h=9 m=43
